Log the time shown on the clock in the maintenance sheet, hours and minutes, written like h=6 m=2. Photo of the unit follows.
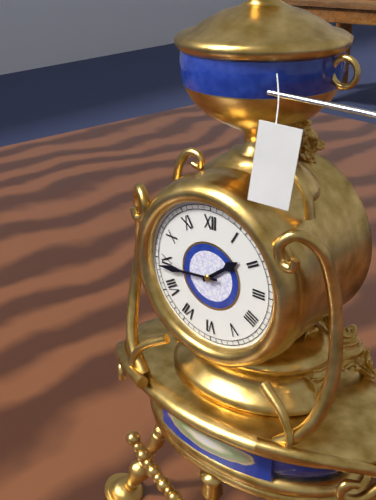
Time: h=1 m=44
